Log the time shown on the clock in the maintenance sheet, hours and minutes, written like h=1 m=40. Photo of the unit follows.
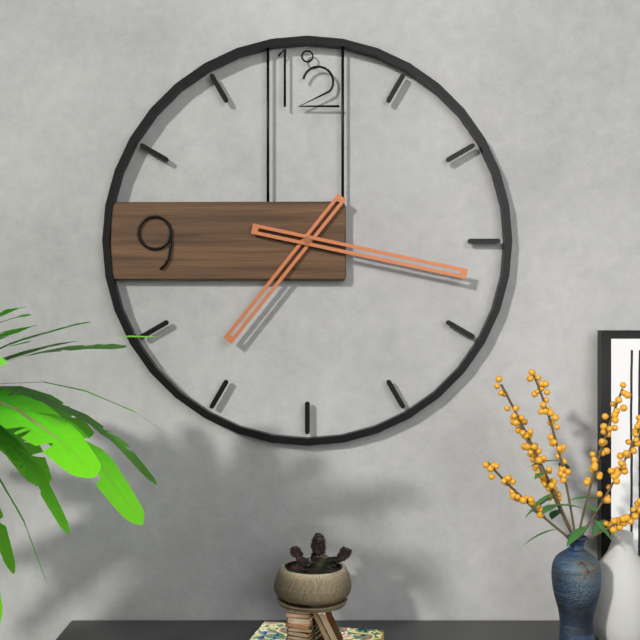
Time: h=7 m=17
